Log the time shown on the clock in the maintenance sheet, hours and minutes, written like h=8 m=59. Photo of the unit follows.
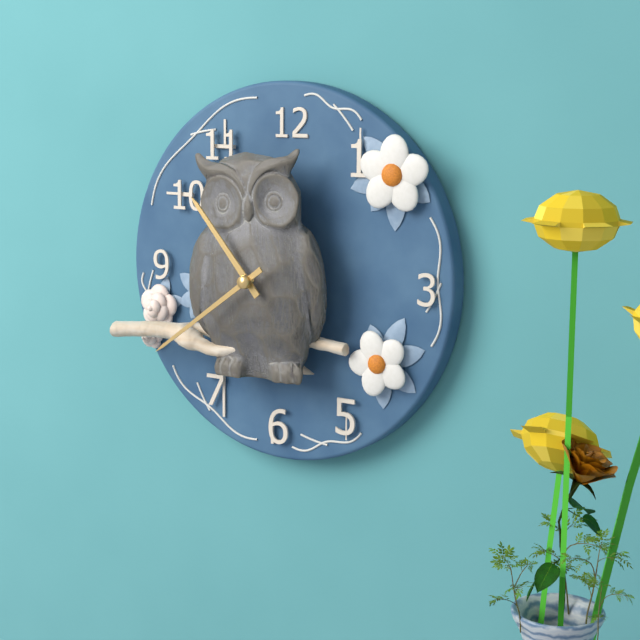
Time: h=10 m=39
